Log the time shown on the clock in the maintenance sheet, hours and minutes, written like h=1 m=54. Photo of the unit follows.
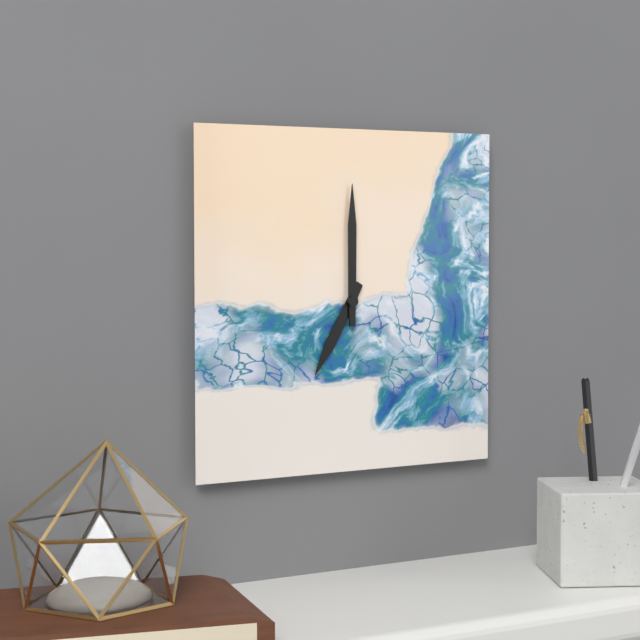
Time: h=7 m=0
